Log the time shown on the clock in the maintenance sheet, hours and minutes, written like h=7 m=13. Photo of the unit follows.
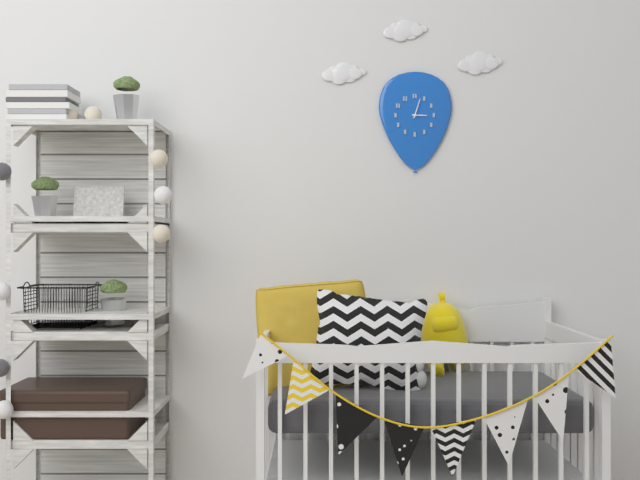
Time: h=3 m=3
